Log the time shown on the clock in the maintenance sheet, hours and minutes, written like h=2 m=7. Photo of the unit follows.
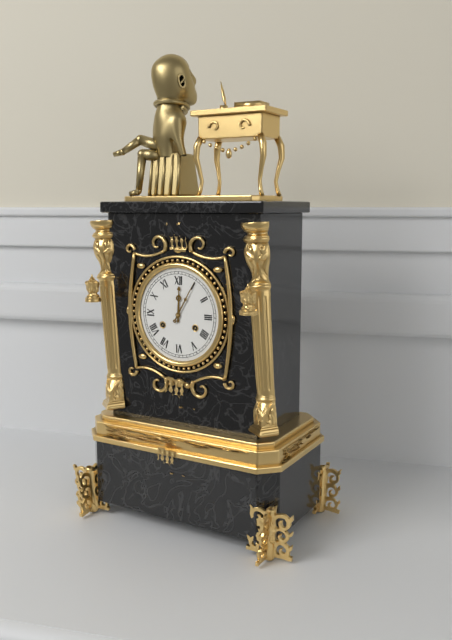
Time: h=12 m=5
